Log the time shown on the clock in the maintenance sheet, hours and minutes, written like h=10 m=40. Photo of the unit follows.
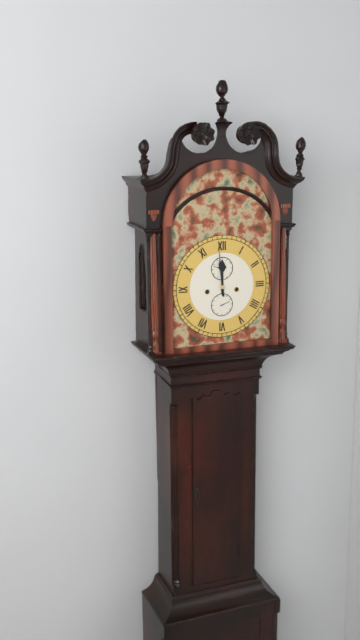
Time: h=11 m=59
